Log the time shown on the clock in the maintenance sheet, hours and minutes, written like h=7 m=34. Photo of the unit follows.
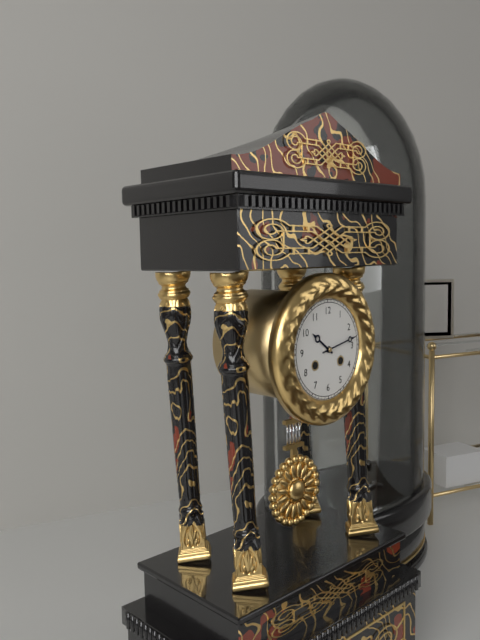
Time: h=10 m=13
